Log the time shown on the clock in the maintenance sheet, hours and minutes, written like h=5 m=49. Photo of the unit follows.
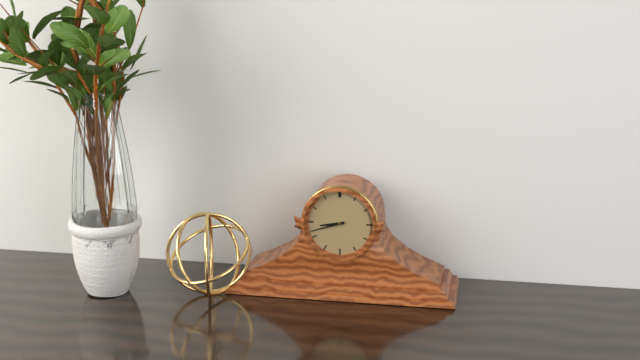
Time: h=8 m=42
